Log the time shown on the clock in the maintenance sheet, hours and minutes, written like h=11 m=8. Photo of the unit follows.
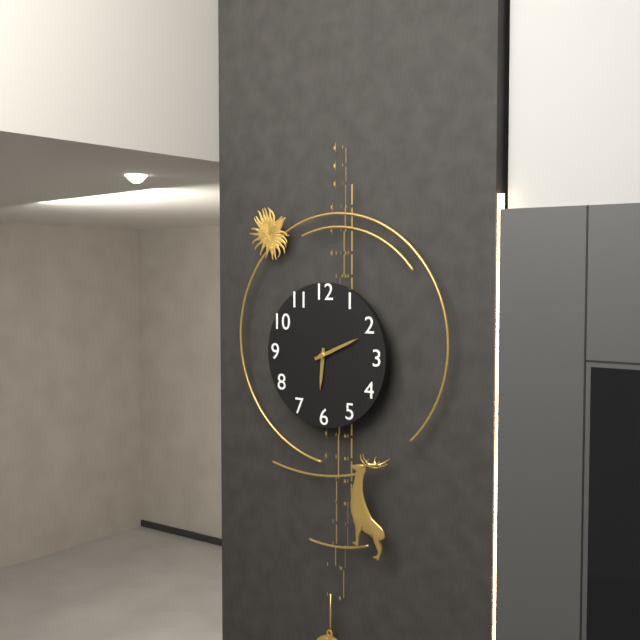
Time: h=6 m=11
